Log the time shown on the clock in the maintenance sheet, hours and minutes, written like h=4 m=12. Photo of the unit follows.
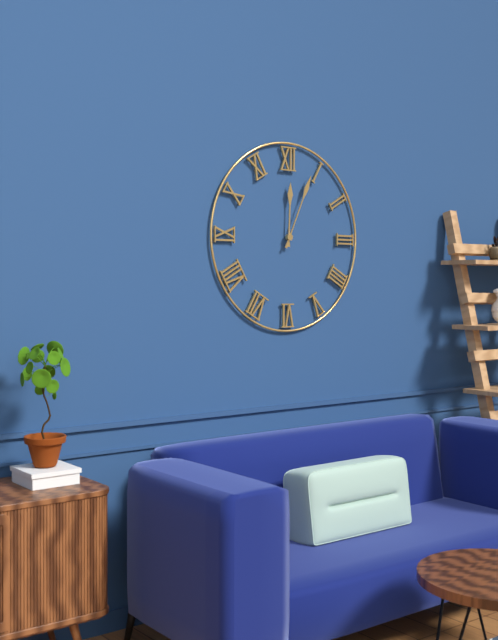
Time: h=12 m=4
